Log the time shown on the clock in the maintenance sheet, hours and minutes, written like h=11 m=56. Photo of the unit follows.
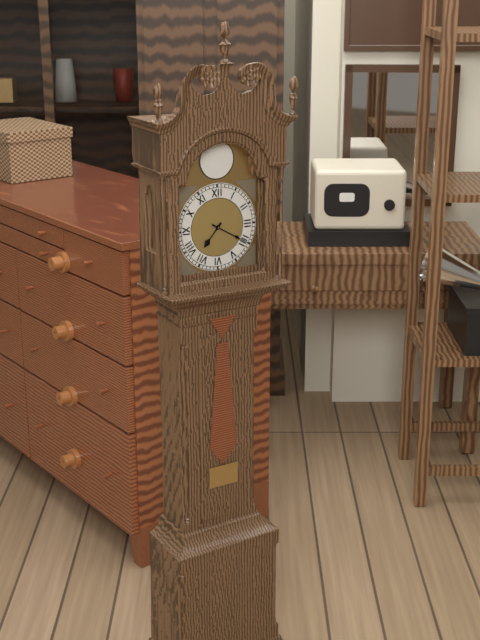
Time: h=7 m=20
